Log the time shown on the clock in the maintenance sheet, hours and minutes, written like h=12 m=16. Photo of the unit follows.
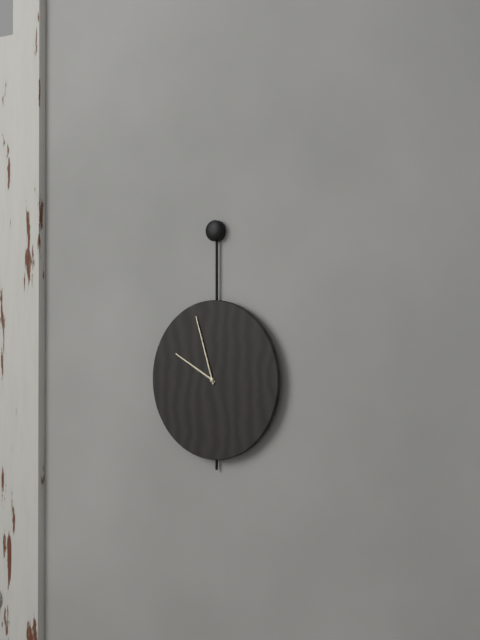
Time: h=9 m=57
